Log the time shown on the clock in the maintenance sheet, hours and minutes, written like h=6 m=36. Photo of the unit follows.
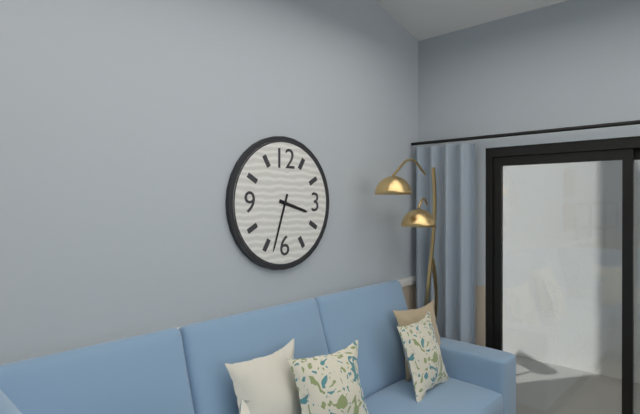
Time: h=3 m=33
